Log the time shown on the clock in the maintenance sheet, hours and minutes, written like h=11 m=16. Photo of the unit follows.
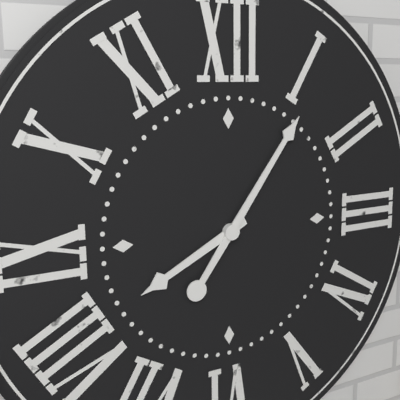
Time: h=8 m=6
